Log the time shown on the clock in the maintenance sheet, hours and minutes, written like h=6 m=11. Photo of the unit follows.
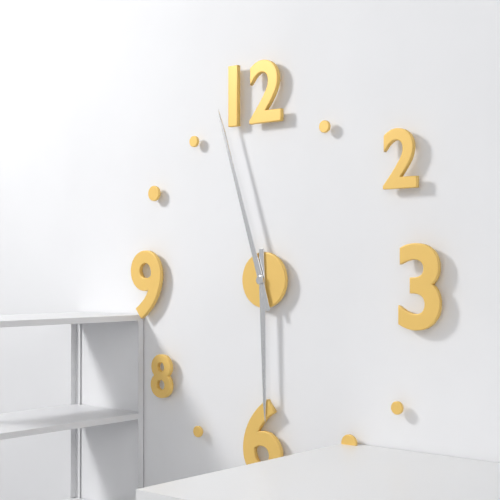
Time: h=5 m=57
